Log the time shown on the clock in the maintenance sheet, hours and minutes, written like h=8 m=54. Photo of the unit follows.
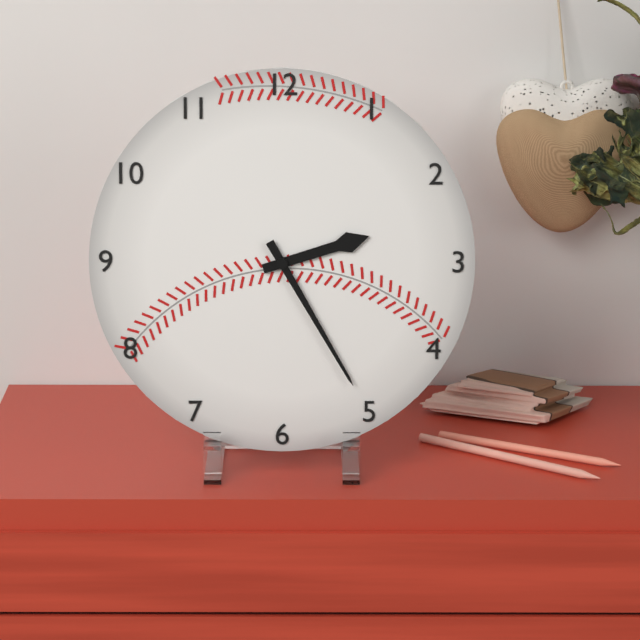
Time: h=2 m=25
